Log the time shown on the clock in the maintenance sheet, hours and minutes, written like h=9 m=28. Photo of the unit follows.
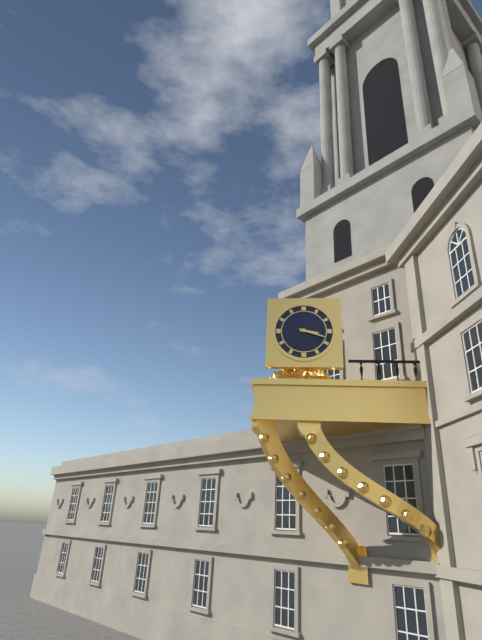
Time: h=3 m=18
